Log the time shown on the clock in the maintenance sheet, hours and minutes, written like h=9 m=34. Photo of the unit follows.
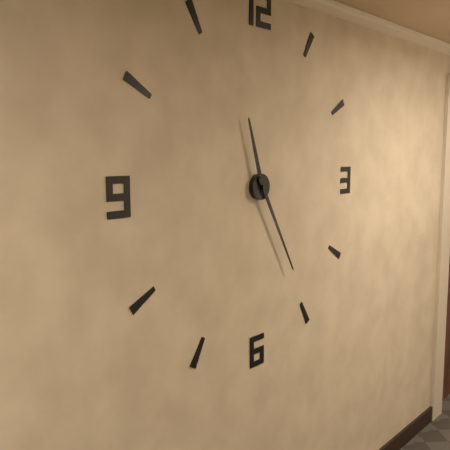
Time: h=11 m=25
